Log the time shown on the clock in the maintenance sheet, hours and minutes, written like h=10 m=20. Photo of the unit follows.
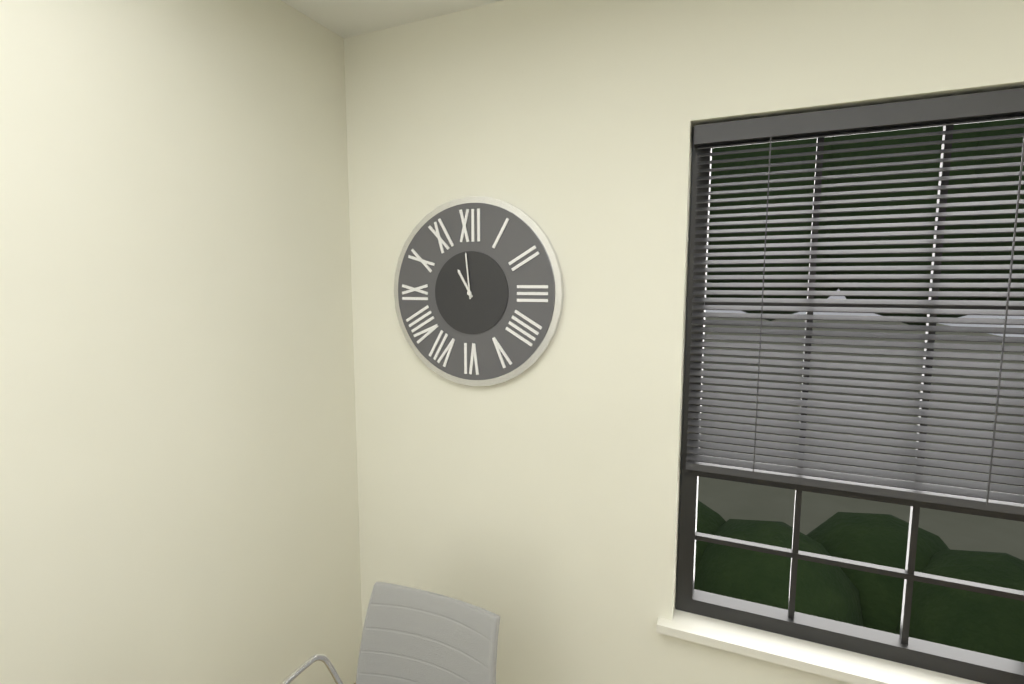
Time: h=10 m=59
